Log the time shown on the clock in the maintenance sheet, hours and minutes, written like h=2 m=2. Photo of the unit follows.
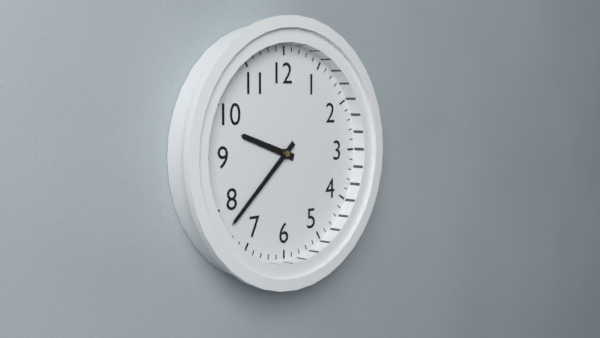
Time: h=9 m=38
